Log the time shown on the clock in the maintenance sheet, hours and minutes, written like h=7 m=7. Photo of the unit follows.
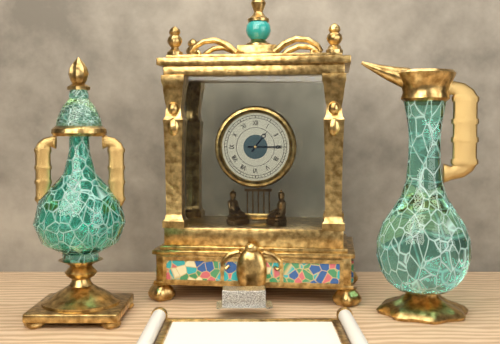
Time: h=1 m=15
